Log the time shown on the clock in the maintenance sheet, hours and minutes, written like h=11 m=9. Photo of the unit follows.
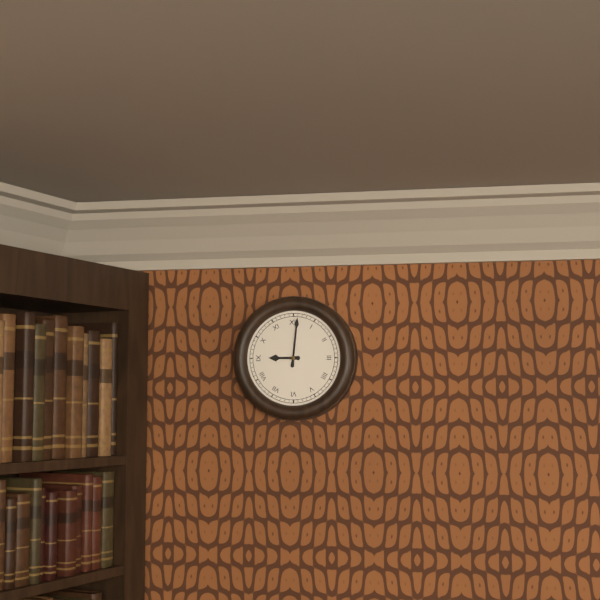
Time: h=9 m=1
